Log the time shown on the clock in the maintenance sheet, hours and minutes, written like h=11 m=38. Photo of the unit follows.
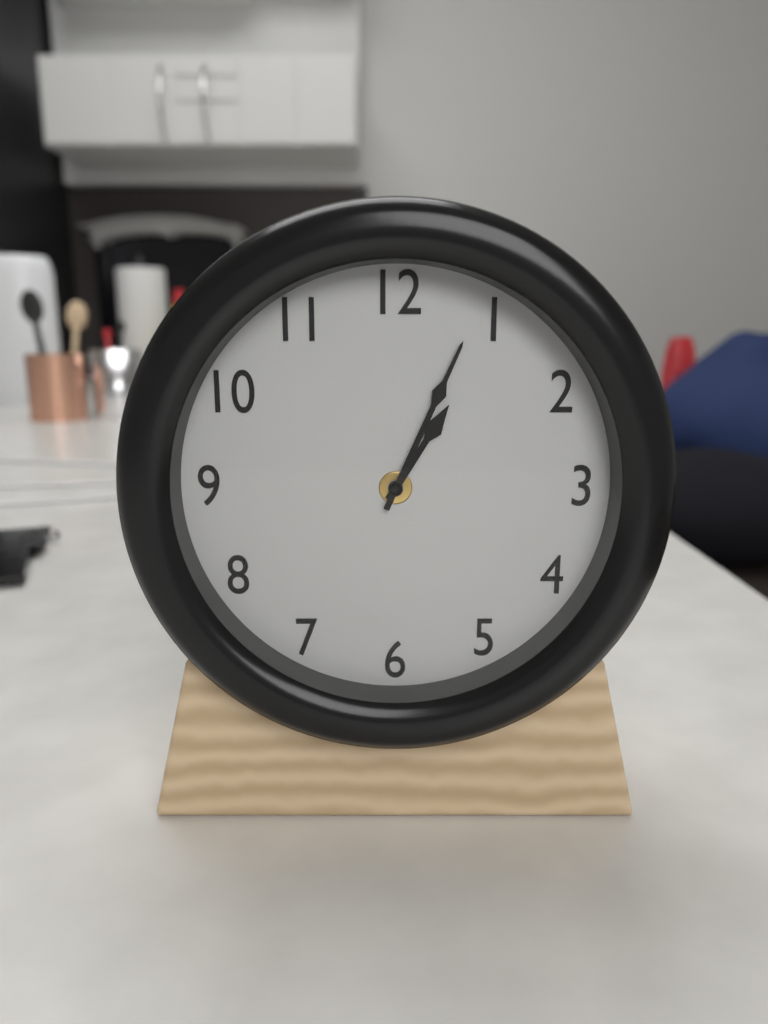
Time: h=1 m=4
